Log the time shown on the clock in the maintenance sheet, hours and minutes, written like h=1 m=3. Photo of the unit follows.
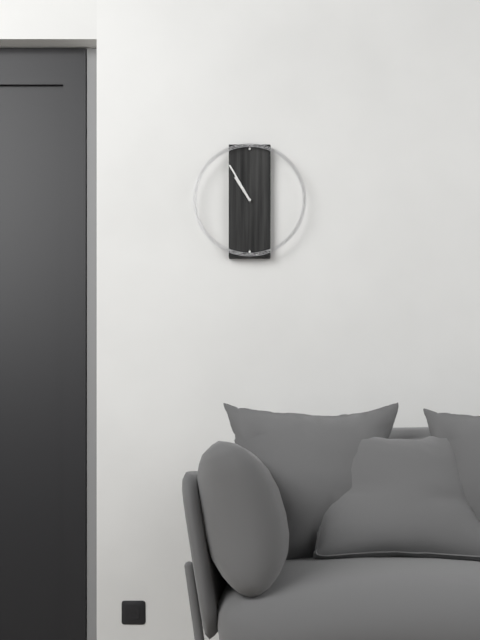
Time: h=10 m=55
